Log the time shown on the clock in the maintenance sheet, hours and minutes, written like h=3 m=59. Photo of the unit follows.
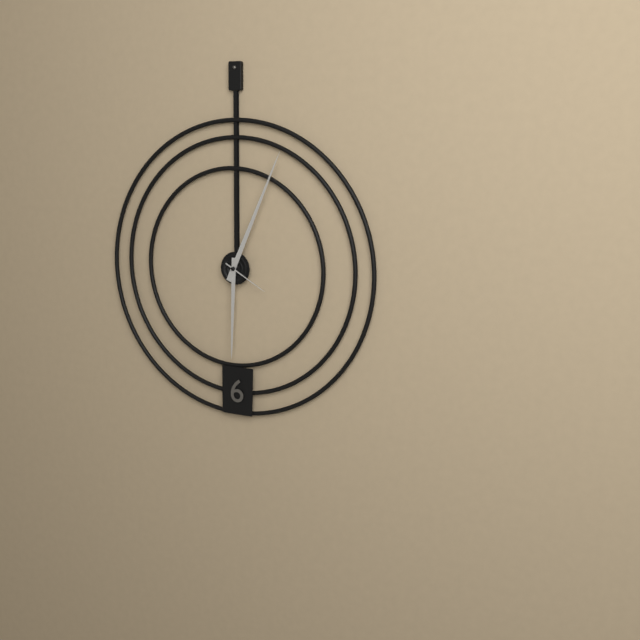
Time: h=6 m=4
